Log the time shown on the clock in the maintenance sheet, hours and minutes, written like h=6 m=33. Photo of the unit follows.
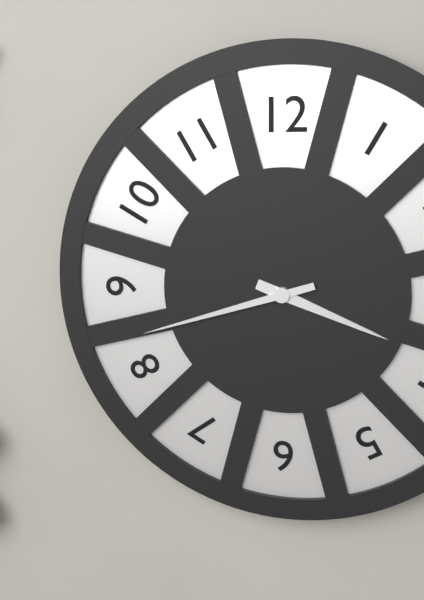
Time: h=3 m=42
